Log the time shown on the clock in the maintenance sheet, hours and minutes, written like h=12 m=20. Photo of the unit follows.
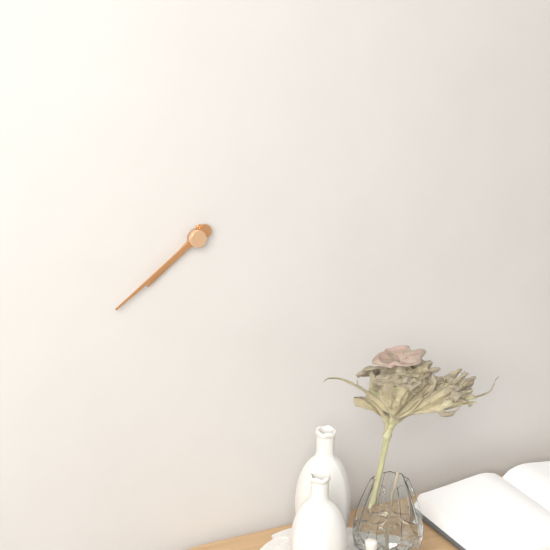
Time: h=7 m=39
